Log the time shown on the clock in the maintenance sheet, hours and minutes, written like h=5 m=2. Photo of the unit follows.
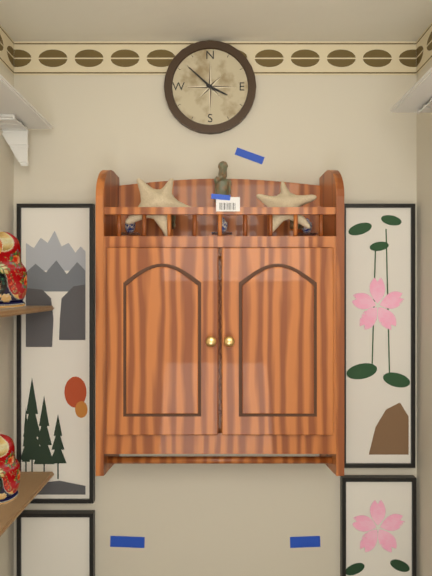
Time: h=3 m=52
